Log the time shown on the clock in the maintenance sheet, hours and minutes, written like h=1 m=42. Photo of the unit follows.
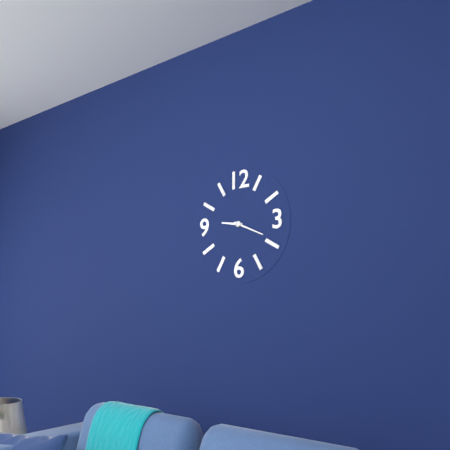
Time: h=9 m=19
